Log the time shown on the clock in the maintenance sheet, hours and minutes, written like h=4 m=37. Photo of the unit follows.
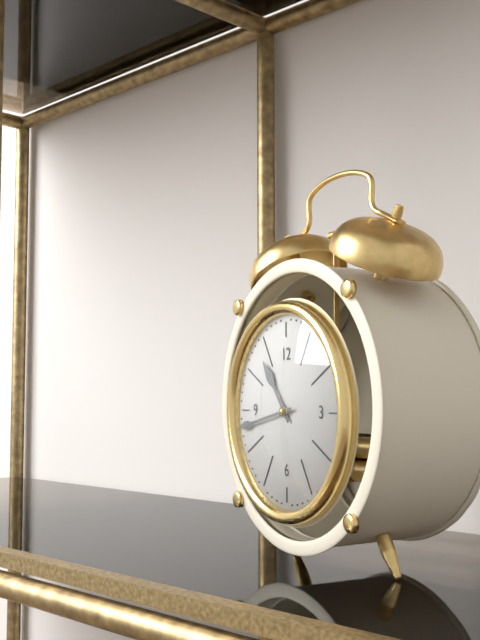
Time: h=10 m=43
